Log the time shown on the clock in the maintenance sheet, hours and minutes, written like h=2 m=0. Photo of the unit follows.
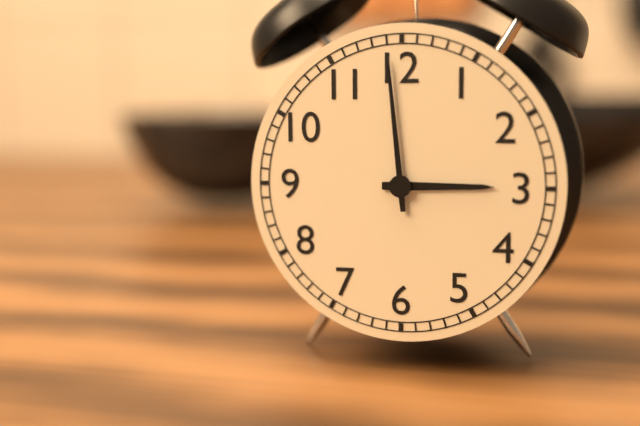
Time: h=2 m=59
